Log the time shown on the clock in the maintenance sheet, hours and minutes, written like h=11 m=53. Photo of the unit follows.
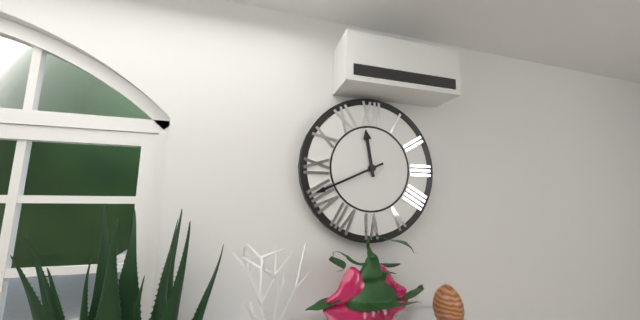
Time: h=11 m=41
